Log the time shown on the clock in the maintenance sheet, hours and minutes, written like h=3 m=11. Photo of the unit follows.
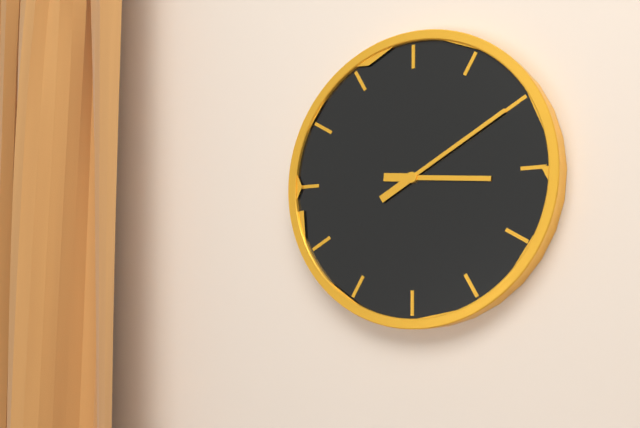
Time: h=3 m=10
